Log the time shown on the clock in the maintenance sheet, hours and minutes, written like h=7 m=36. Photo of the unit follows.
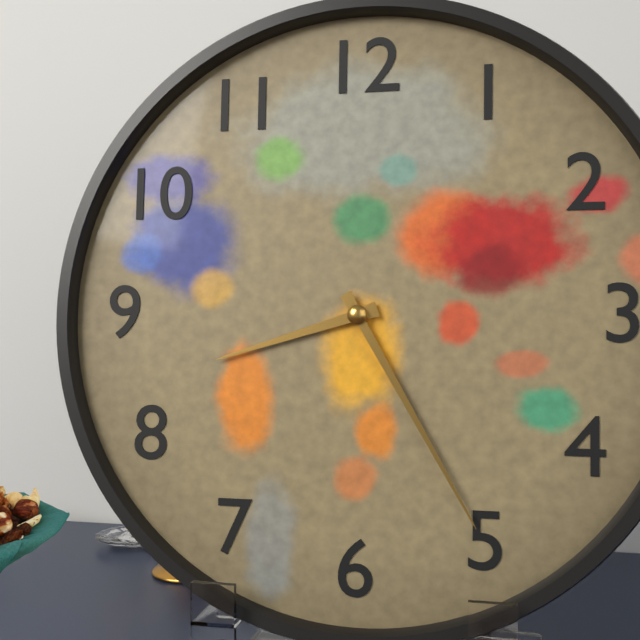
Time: h=8 m=25
